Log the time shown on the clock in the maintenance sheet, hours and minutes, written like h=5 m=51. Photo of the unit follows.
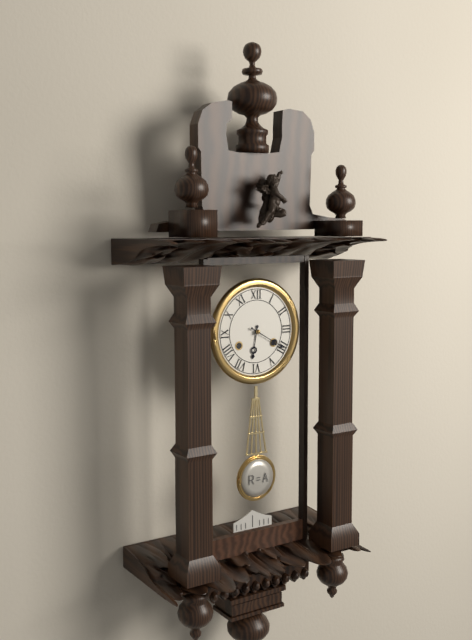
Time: h=6 m=20
